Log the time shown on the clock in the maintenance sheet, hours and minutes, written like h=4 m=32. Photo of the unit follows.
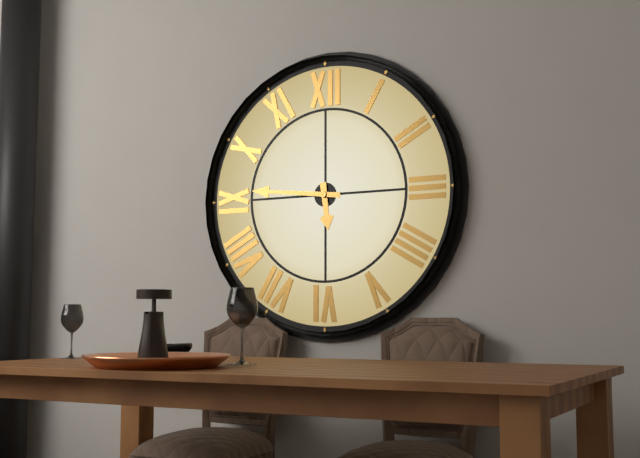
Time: h=5 m=46
